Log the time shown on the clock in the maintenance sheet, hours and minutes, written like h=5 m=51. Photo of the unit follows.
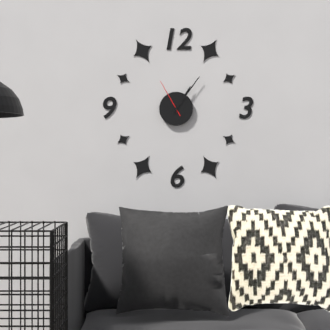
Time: h=1 m=6
